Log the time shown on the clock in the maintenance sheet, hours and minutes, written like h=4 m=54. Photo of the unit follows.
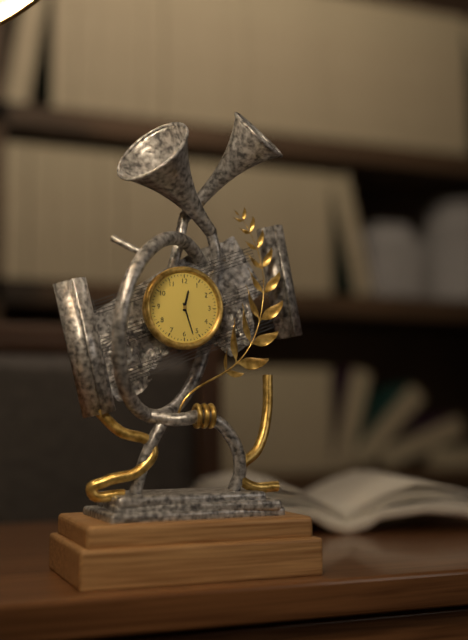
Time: h=12 m=27
